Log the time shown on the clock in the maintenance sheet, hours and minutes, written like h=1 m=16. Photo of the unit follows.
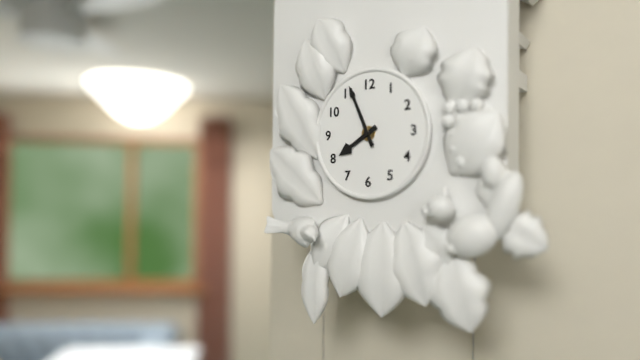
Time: h=7 m=56
